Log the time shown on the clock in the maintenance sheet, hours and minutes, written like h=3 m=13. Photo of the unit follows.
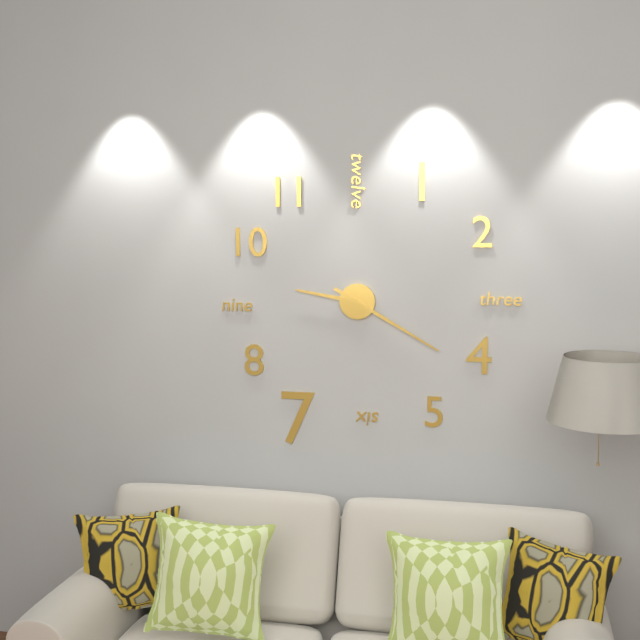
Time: h=9 m=20
